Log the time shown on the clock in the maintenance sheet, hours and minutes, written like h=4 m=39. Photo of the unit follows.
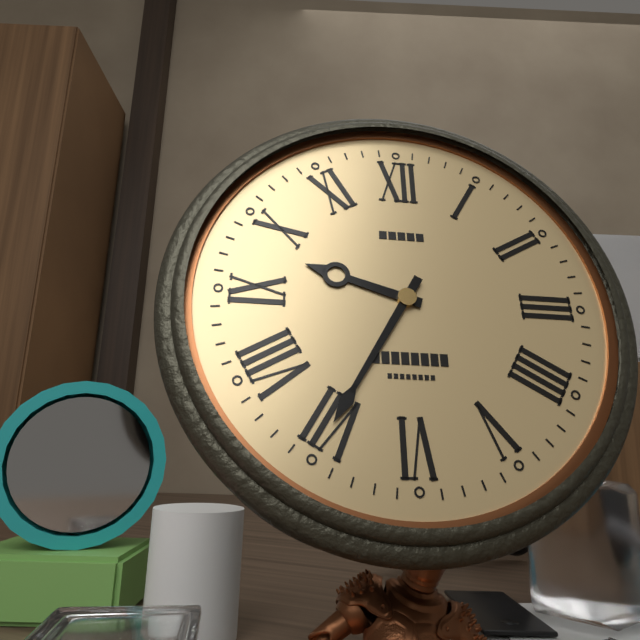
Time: h=9 m=35
